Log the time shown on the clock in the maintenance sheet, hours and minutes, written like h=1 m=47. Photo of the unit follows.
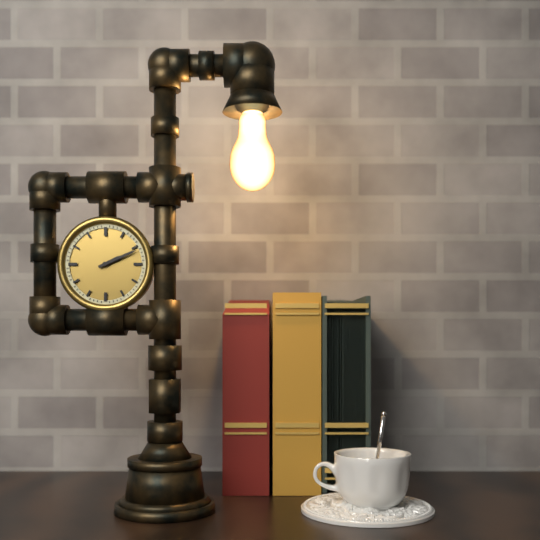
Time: h=2 m=11
